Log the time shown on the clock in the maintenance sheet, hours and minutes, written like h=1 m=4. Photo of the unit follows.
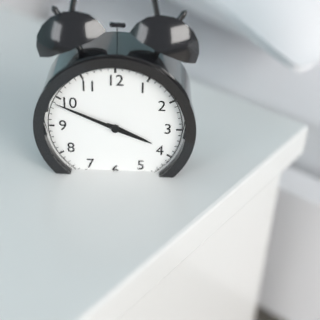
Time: h=3 m=49
